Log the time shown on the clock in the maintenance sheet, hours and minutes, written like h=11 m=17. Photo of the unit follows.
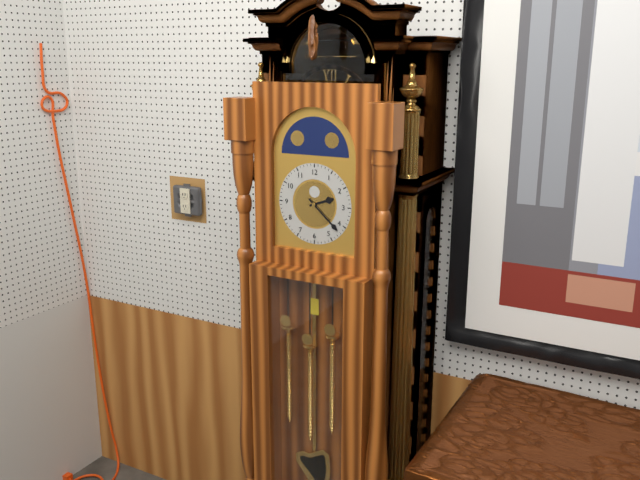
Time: h=2 m=22
